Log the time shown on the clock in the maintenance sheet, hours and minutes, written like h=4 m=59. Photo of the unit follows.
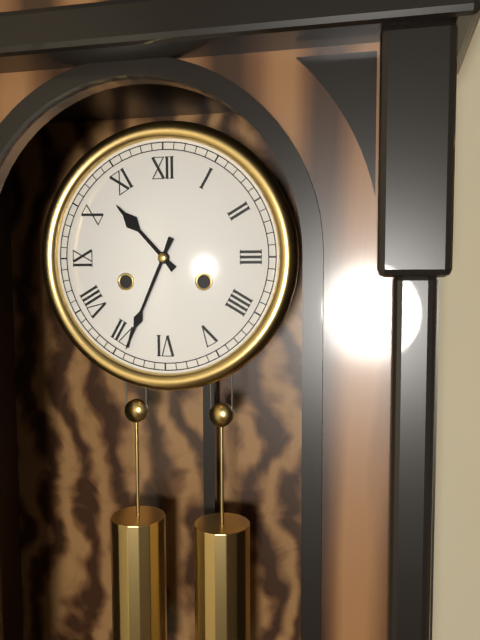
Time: h=10 m=34
